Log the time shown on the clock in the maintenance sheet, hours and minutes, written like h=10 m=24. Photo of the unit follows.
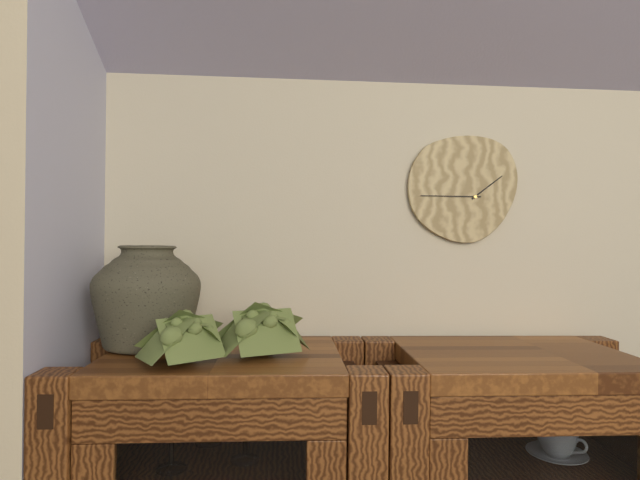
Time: h=1 m=45
